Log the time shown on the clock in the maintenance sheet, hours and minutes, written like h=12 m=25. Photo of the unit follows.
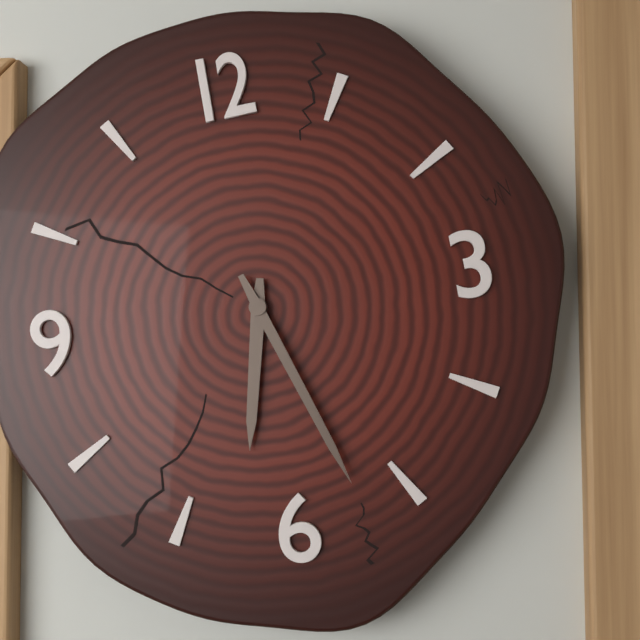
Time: h=6 m=27
